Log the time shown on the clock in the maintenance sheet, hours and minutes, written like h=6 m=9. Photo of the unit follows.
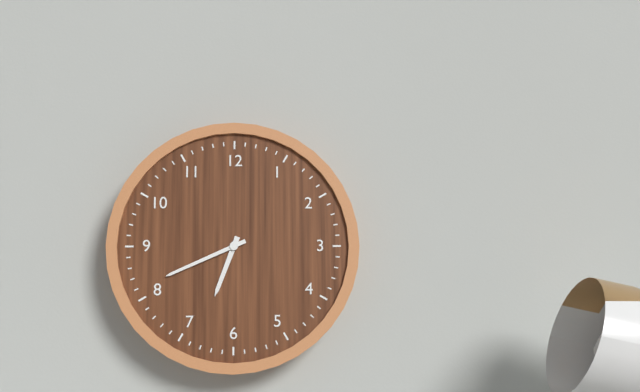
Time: h=6 m=41
